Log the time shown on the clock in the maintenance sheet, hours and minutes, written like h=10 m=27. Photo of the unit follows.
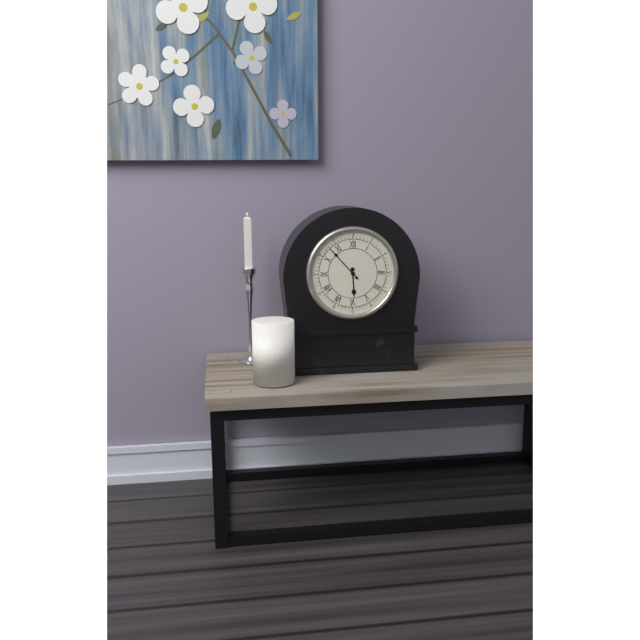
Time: h=5 m=53
